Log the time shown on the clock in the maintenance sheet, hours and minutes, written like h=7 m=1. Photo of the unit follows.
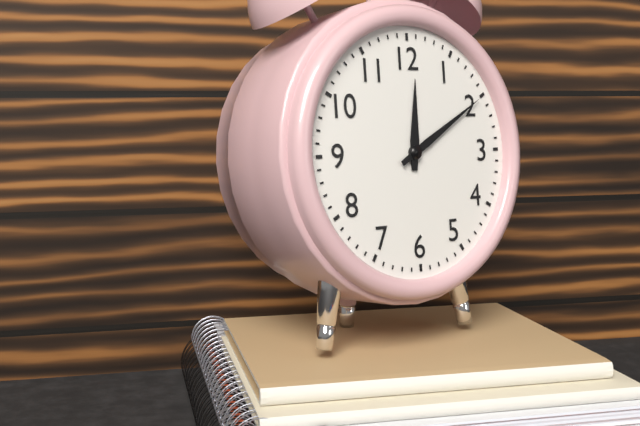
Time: h=12 m=10
